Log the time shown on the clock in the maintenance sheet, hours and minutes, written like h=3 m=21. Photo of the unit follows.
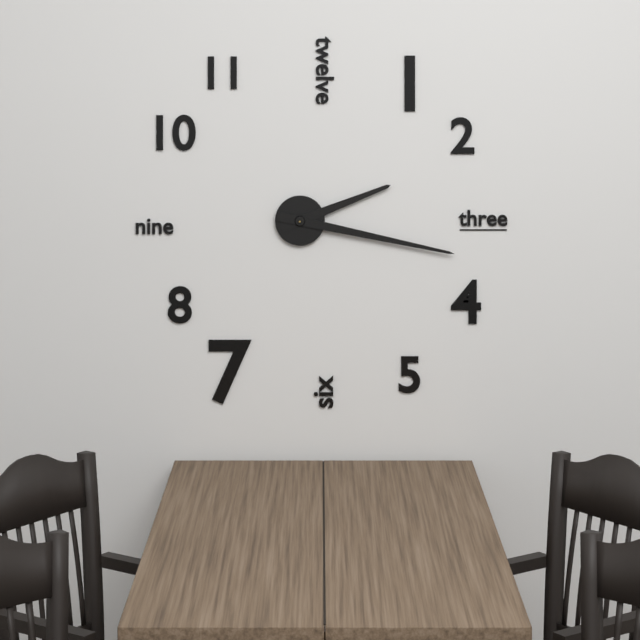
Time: h=2 m=17
